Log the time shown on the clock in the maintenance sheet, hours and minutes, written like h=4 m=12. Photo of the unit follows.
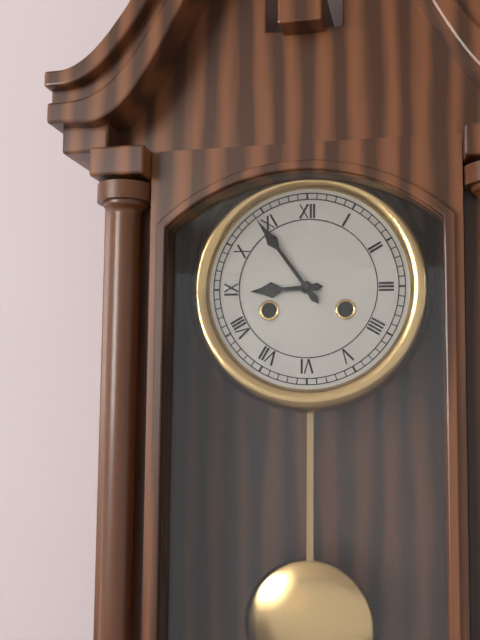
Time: h=8 m=54
